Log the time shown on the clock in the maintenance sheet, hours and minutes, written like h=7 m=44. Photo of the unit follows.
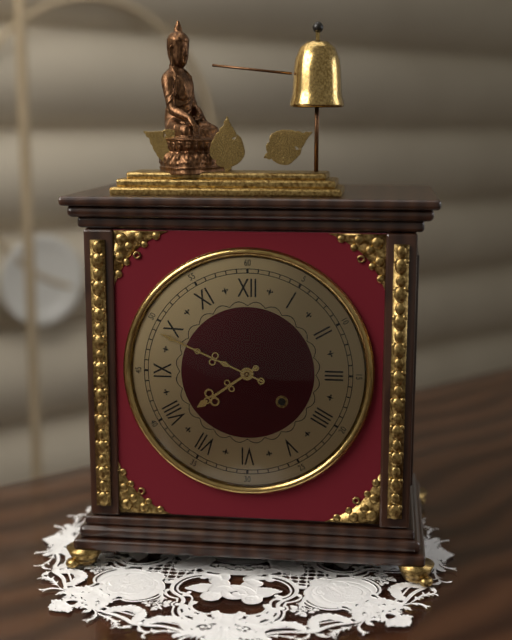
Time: h=7 m=49
